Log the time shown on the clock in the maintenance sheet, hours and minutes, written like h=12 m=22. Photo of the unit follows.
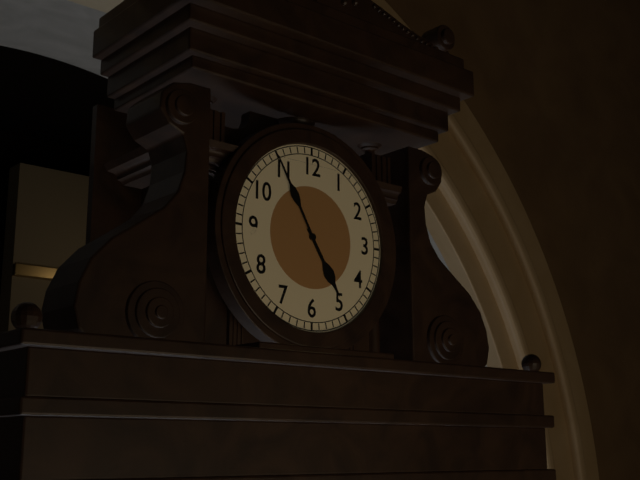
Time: h=4 m=55
